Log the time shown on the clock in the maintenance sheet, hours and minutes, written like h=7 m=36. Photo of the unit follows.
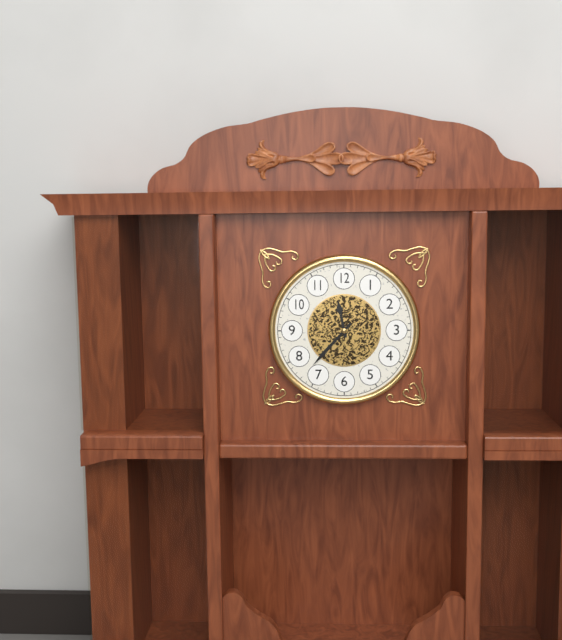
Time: h=11 m=37
